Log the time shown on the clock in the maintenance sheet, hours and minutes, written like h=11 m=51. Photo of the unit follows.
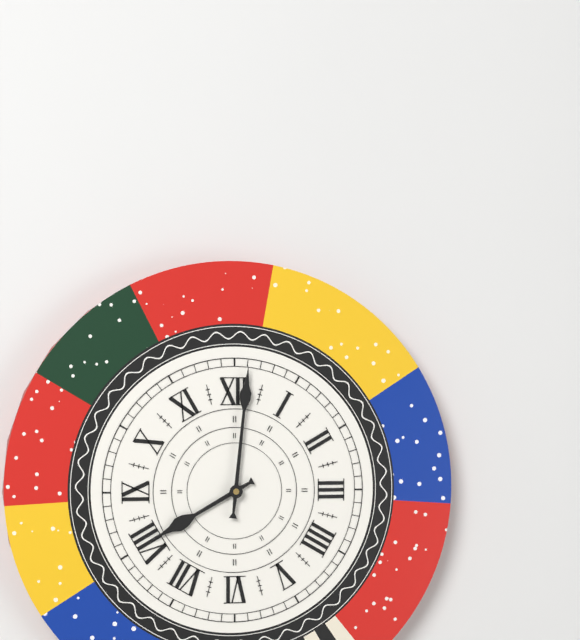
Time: h=8 m=1
